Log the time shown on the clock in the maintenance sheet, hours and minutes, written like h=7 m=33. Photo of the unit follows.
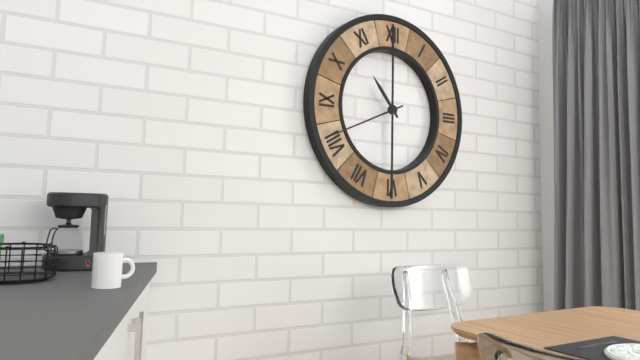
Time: h=10 m=41
